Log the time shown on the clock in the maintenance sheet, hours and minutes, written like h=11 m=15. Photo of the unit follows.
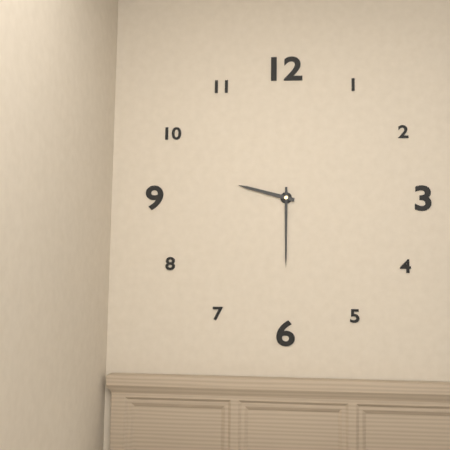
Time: h=9 m=30
